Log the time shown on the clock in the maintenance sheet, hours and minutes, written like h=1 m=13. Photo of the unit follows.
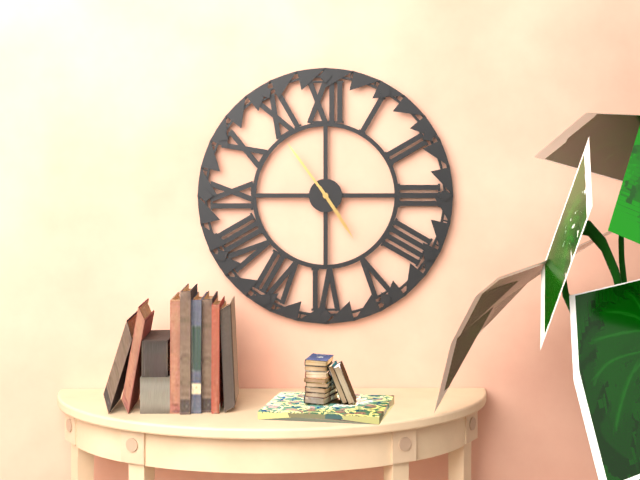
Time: h=4 m=54
